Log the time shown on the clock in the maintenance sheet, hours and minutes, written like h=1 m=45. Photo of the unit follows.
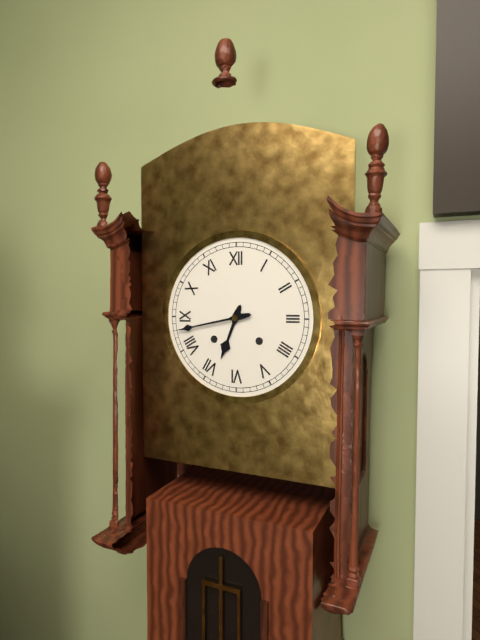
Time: h=6 m=43
